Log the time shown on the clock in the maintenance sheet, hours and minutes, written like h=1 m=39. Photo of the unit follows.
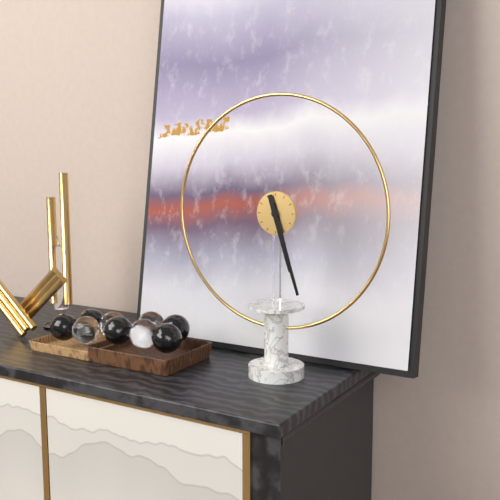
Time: h=5 m=27
